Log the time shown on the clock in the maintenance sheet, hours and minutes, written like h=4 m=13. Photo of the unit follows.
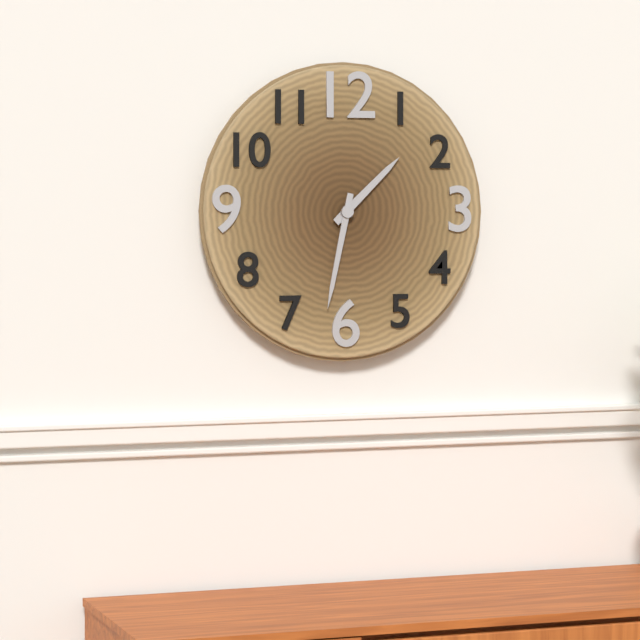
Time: h=1 m=32
